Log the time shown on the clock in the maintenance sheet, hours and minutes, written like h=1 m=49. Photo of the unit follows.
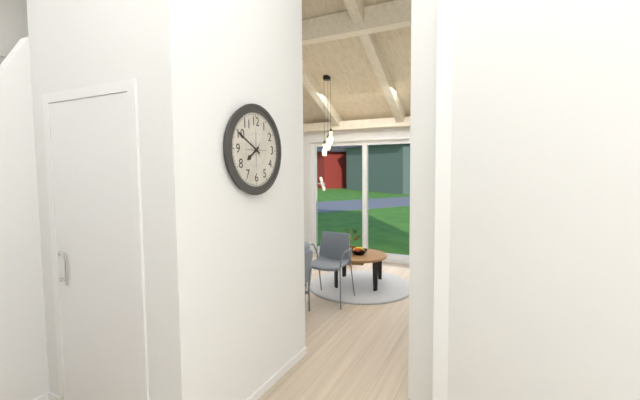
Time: h=7 m=50
